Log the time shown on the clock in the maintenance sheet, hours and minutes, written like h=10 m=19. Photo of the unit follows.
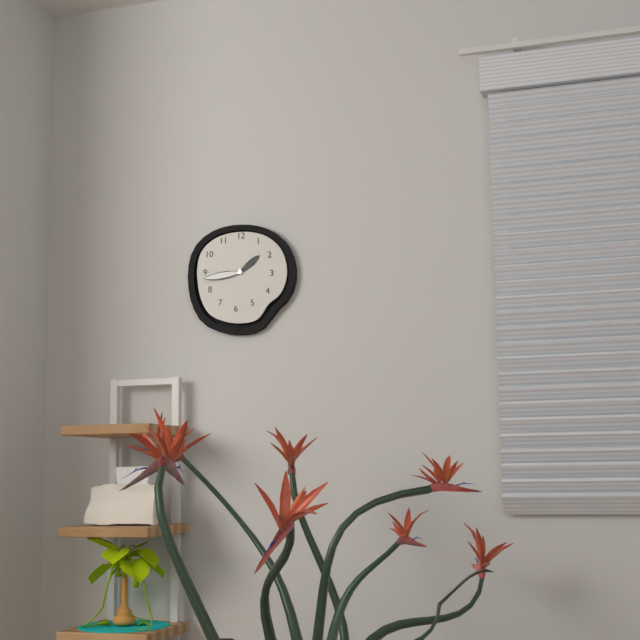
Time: h=1 m=44
